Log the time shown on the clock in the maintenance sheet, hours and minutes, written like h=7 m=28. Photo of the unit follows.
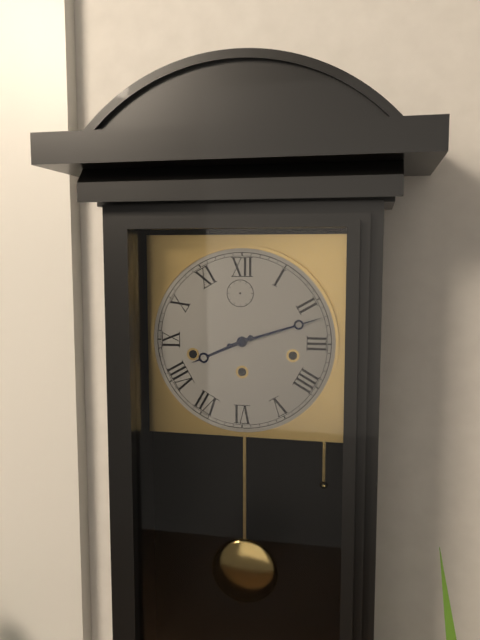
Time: h=8 m=12
